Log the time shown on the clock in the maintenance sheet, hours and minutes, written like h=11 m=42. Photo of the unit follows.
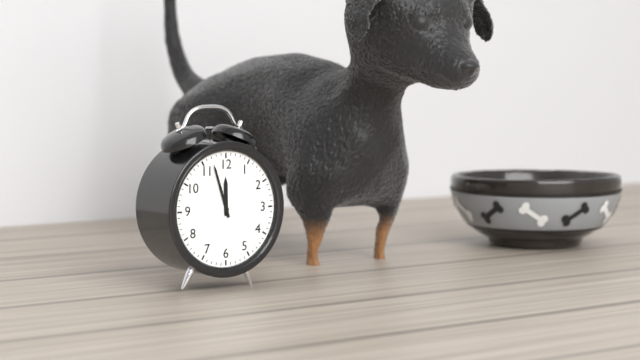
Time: h=11 m=57
